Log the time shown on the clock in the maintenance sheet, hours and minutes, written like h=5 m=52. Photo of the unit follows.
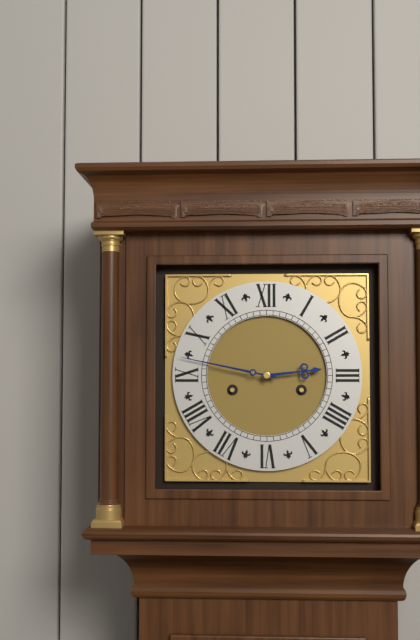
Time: h=2 m=47
